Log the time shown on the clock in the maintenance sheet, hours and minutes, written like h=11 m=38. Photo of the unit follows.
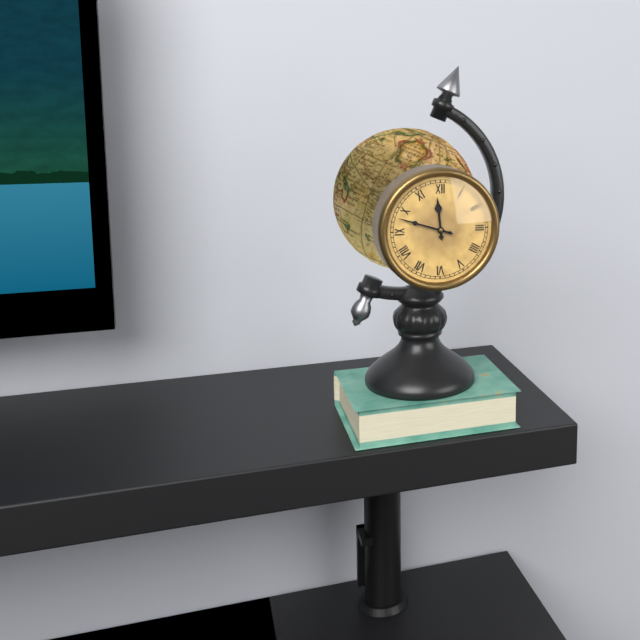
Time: h=11 m=48
